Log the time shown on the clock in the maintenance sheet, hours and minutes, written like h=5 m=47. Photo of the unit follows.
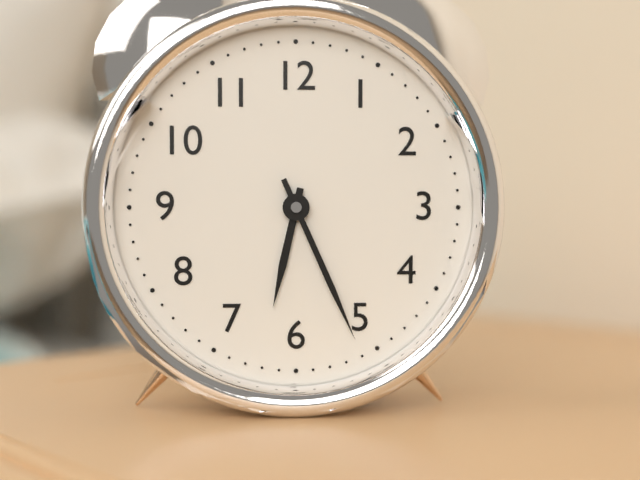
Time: h=6 m=26
